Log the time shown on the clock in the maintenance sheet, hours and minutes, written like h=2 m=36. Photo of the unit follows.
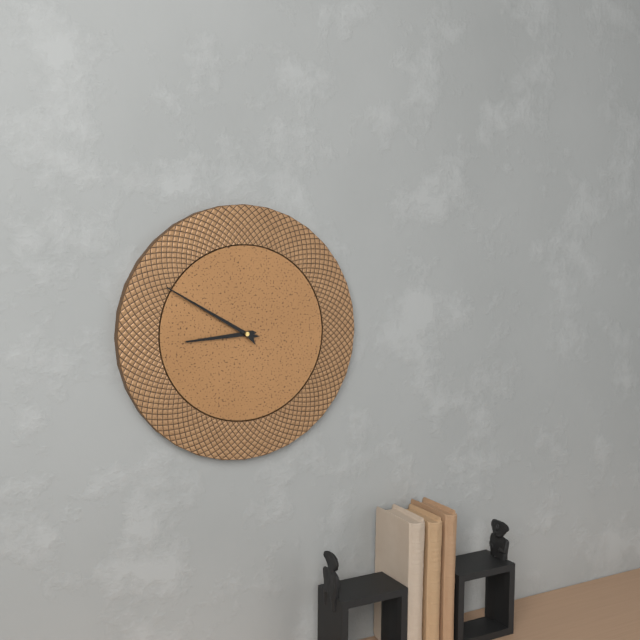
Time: h=8 m=50
